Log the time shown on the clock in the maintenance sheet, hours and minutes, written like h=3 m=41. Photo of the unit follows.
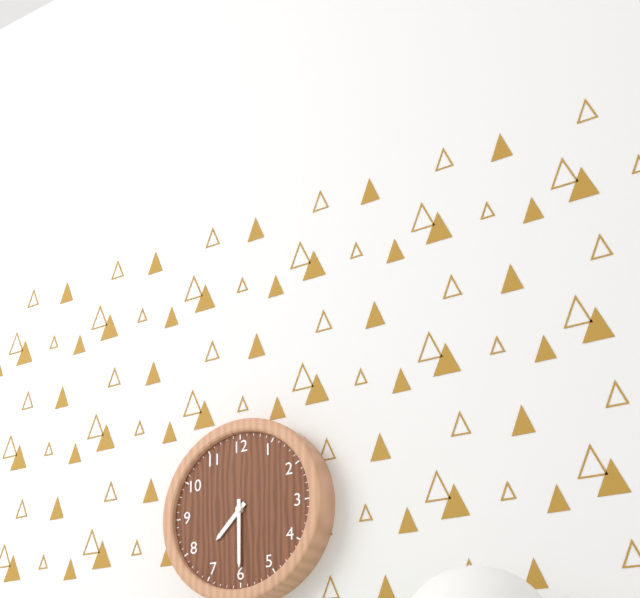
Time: h=7 m=30
